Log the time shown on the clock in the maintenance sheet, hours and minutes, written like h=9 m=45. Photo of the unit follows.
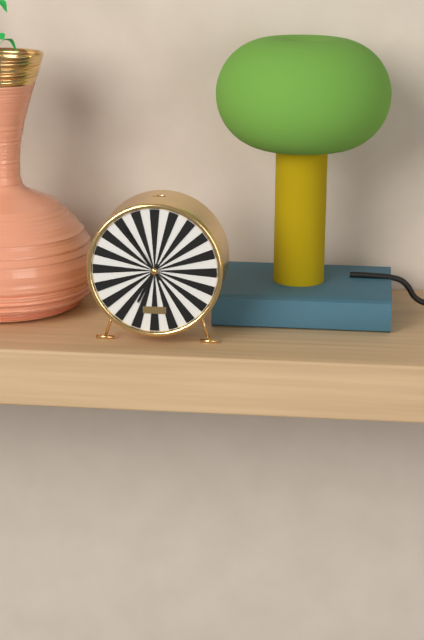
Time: h=6 m=54
